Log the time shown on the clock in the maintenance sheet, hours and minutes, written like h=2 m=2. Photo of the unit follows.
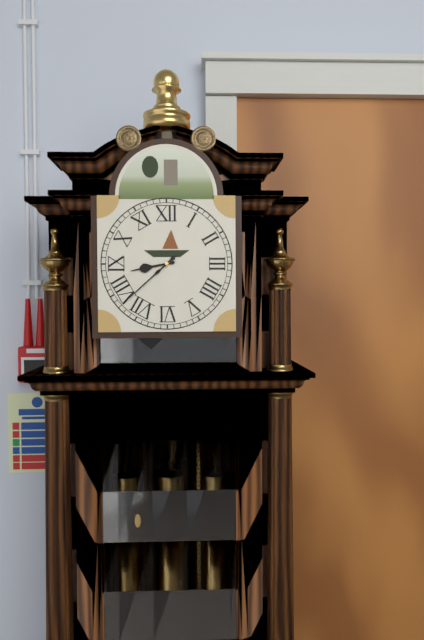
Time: h=8 m=38
